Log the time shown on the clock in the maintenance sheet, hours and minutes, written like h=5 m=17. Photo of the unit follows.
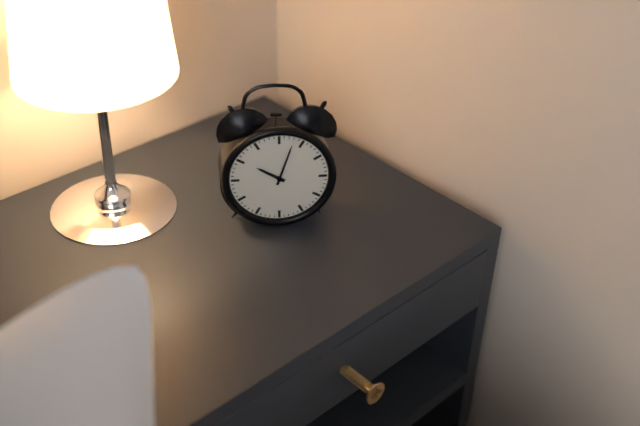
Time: h=10 m=3
